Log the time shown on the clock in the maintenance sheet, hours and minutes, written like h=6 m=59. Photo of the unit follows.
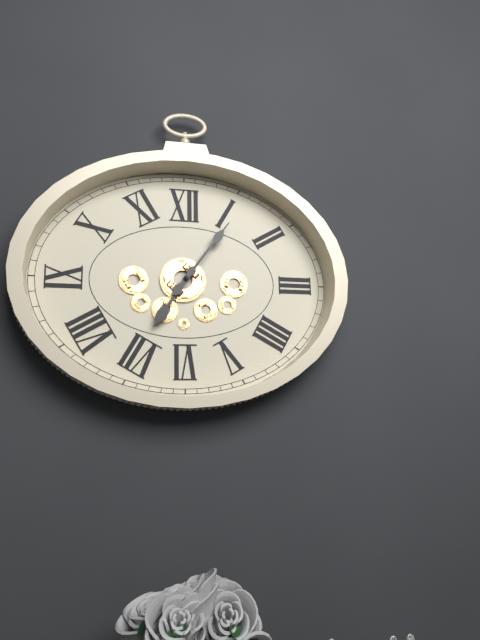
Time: h=7 m=6
